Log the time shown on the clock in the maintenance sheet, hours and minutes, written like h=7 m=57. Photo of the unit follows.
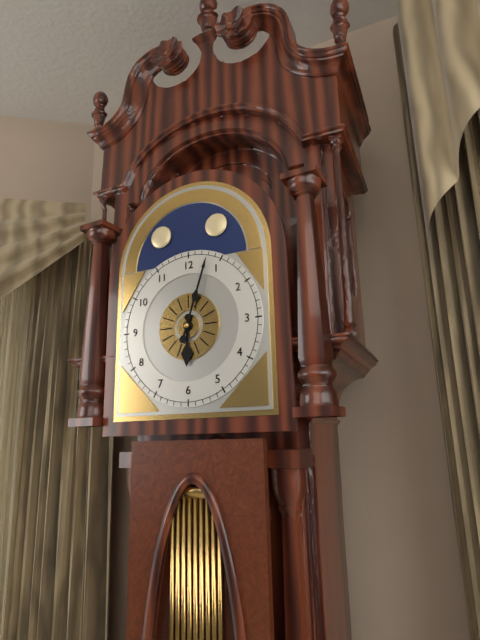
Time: h=6 m=3
